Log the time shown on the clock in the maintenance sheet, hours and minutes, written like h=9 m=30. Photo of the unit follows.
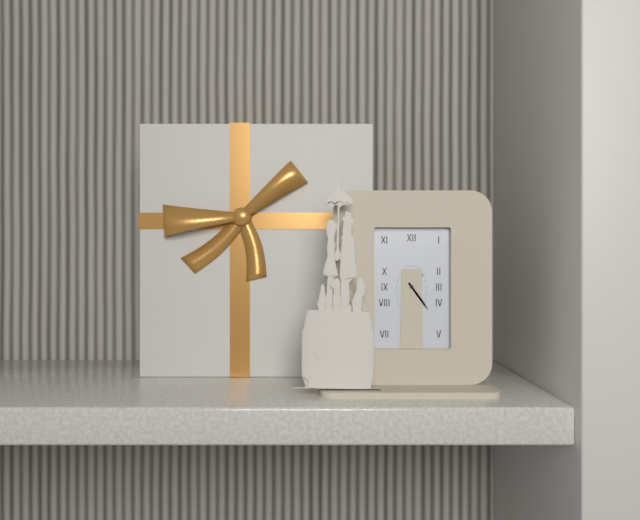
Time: h=1 m=24
